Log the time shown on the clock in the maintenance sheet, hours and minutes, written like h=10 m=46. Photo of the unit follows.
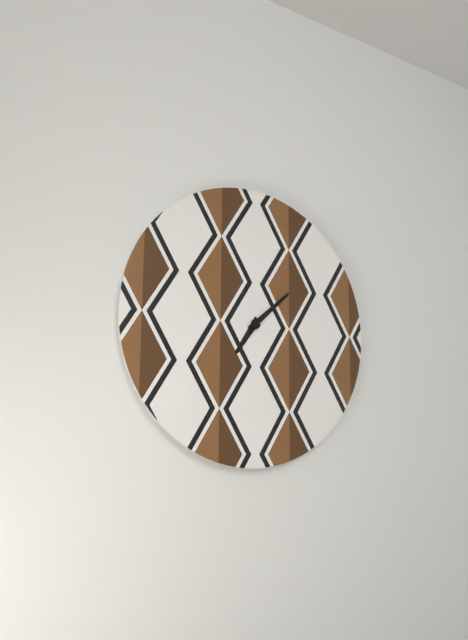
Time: h=7 m=8
